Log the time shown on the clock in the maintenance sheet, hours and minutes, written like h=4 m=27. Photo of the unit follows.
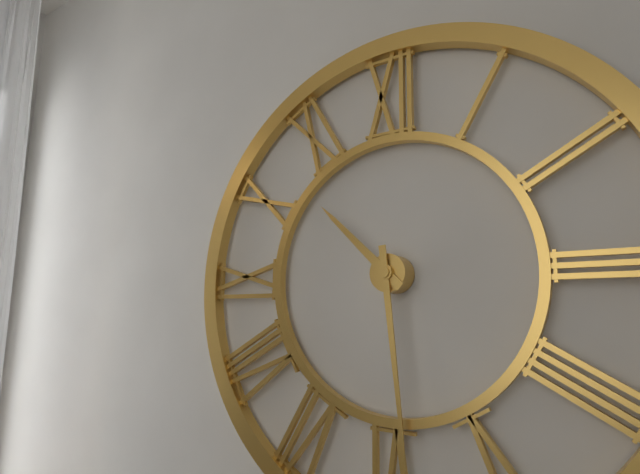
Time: h=10 m=29
